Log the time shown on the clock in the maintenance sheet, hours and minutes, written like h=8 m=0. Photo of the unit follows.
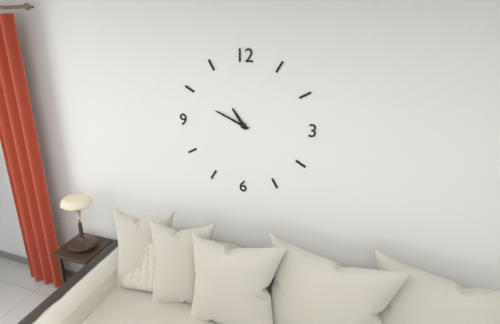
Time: h=10 m=49
